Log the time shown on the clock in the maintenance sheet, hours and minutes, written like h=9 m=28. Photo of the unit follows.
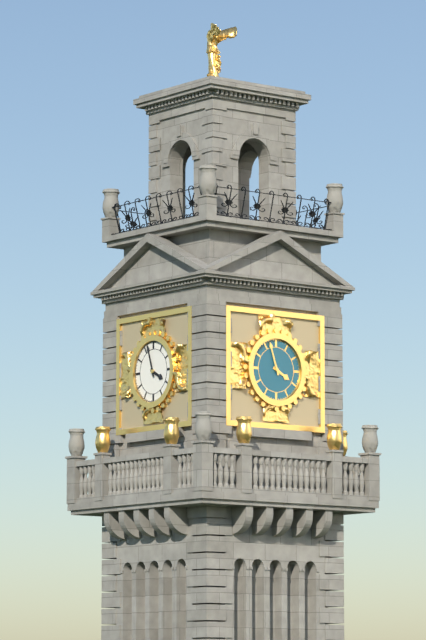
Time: h=3 m=57
